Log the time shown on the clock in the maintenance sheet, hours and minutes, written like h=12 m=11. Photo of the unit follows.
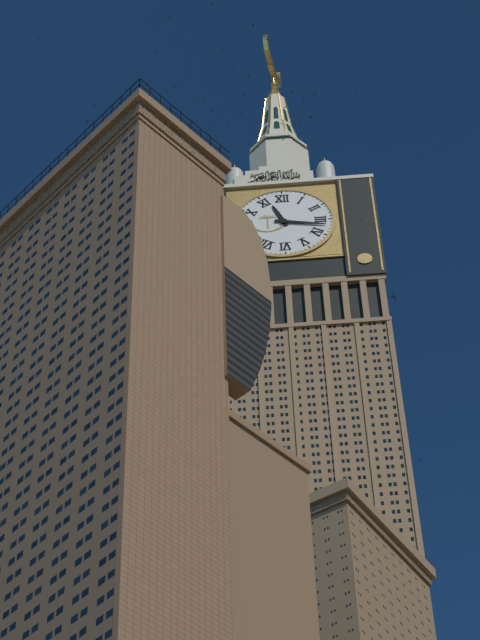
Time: h=11 m=17
